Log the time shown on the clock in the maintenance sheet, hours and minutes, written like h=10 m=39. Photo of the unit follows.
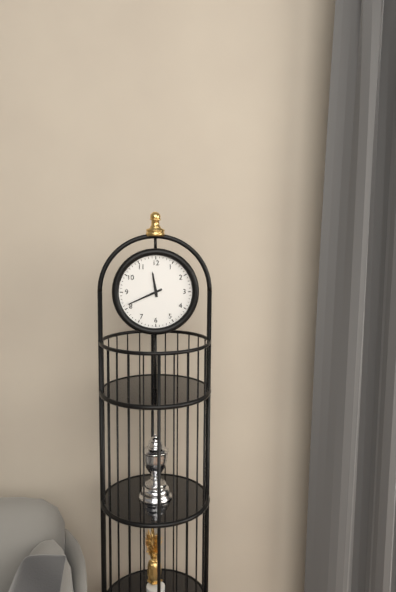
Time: h=11 m=41
